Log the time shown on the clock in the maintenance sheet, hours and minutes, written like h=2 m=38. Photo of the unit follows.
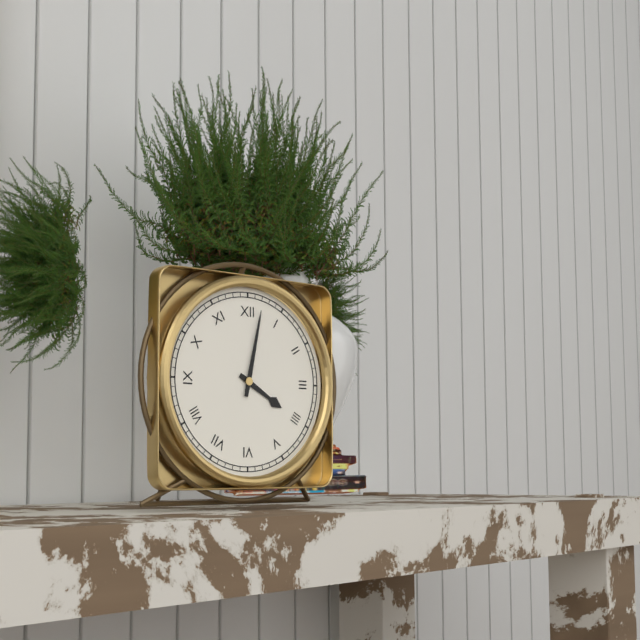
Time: h=4 m=2
